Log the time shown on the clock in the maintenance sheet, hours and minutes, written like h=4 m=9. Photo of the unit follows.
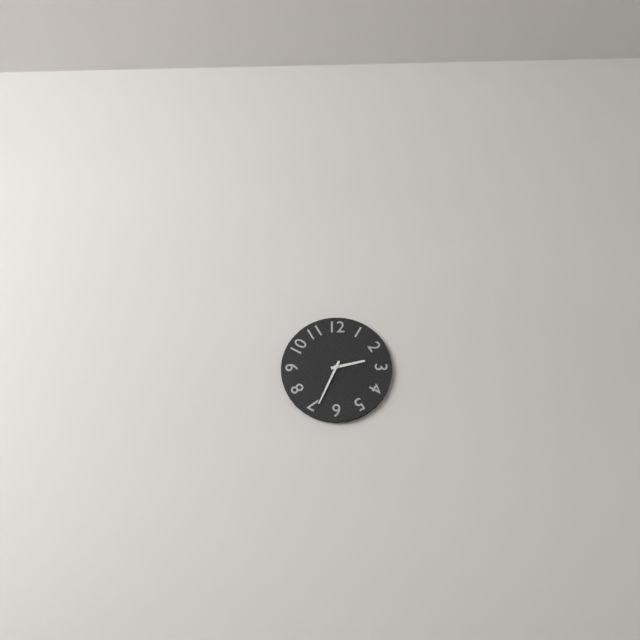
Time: h=2 m=34
